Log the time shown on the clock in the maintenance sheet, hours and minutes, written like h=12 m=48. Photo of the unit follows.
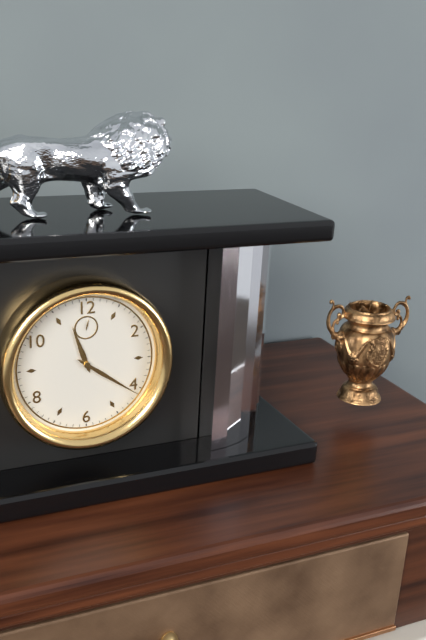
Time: h=11 m=21
